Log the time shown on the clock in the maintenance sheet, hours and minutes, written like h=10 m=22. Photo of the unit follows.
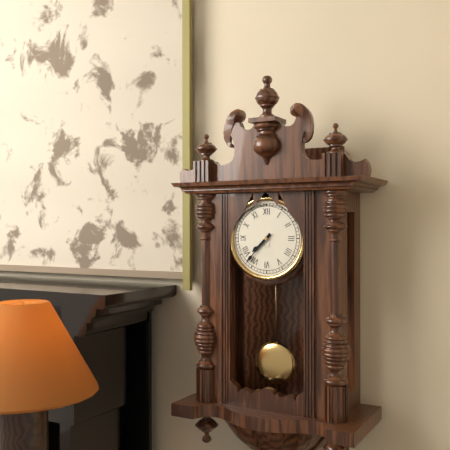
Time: h=7 m=37
